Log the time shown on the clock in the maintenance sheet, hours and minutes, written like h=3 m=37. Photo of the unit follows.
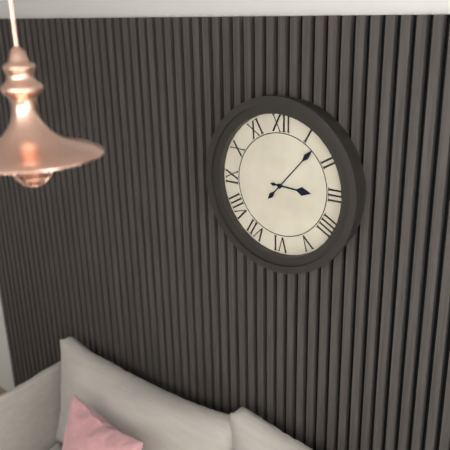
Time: h=3 m=7
